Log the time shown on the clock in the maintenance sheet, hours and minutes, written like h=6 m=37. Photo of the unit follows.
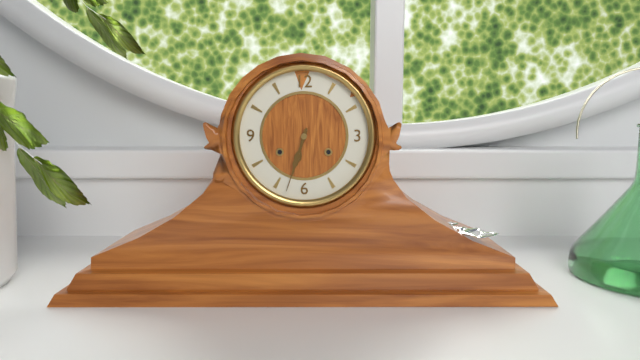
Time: h=6 m=33
